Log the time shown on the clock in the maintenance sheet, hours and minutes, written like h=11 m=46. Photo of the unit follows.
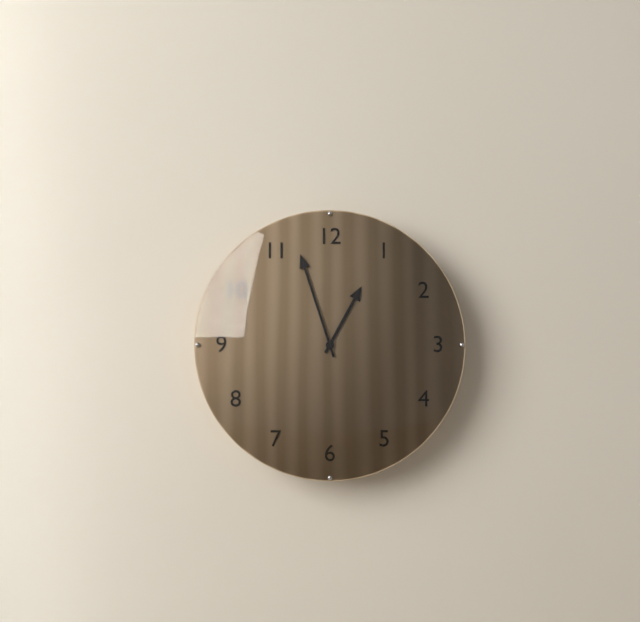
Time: h=12 m=57
